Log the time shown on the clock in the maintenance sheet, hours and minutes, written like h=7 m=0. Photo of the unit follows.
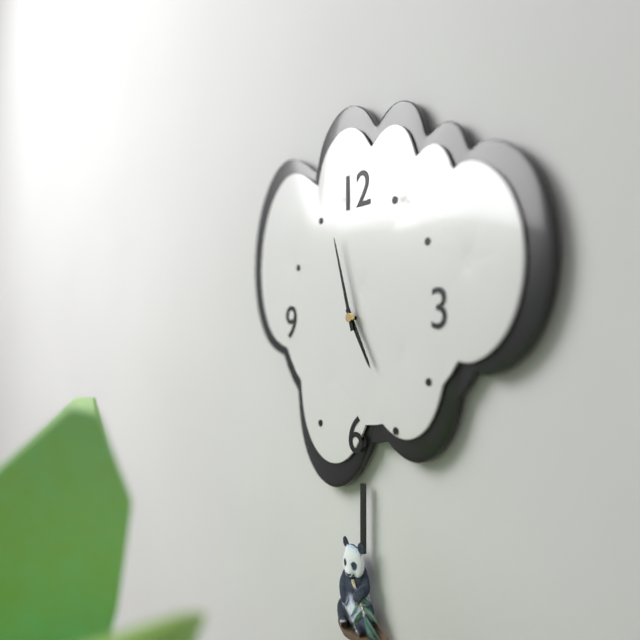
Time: h=4 m=57
